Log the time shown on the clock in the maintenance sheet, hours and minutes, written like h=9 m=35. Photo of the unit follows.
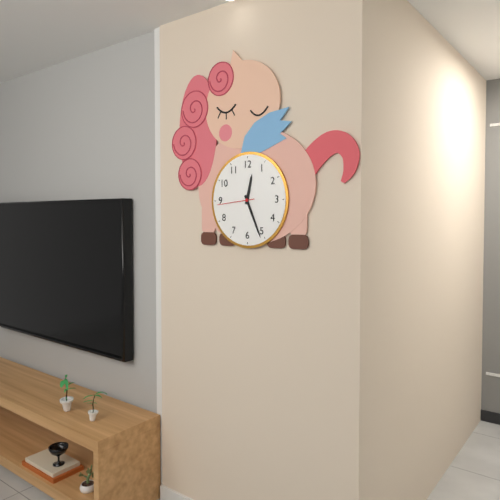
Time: h=12 m=26
